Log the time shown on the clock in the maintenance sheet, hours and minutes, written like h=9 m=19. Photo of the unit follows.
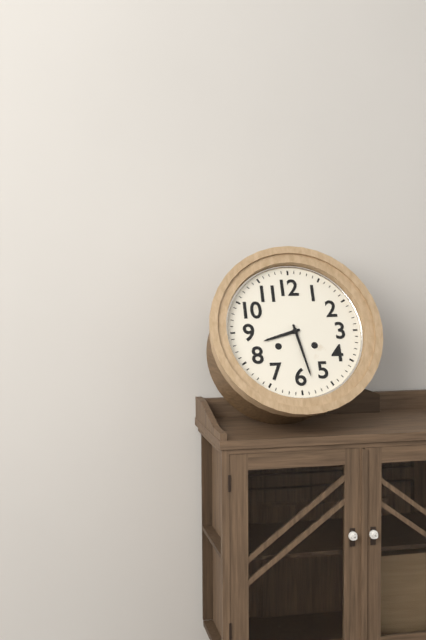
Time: h=8 m=28
